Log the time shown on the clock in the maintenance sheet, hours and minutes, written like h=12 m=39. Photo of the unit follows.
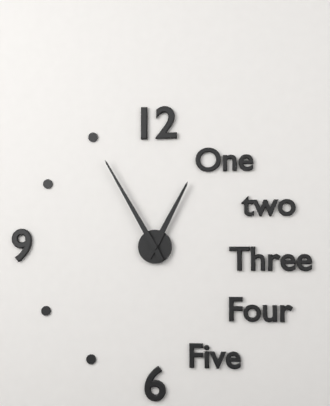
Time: h=12 m=55
